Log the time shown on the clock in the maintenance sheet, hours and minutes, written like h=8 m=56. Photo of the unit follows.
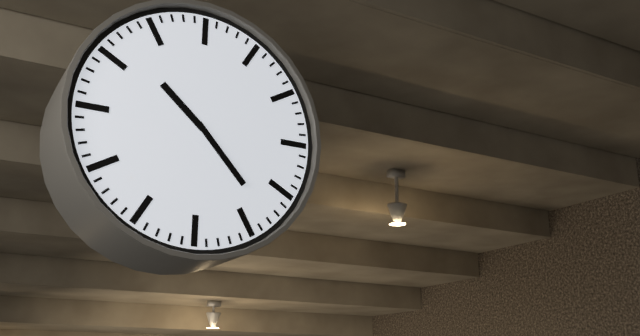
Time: h=10 m=23
